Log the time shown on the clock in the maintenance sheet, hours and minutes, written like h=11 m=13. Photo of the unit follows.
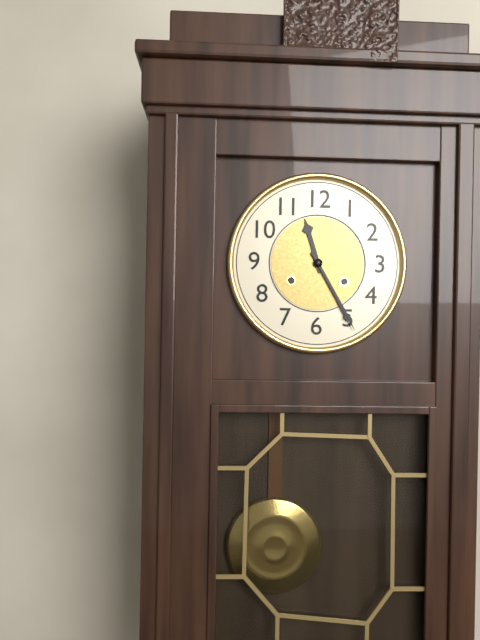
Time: h=11 m=25
